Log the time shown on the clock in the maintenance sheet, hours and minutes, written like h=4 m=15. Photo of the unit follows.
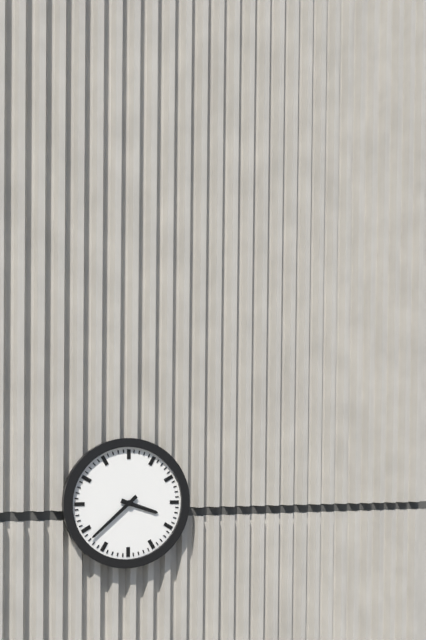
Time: h=3 m=38
